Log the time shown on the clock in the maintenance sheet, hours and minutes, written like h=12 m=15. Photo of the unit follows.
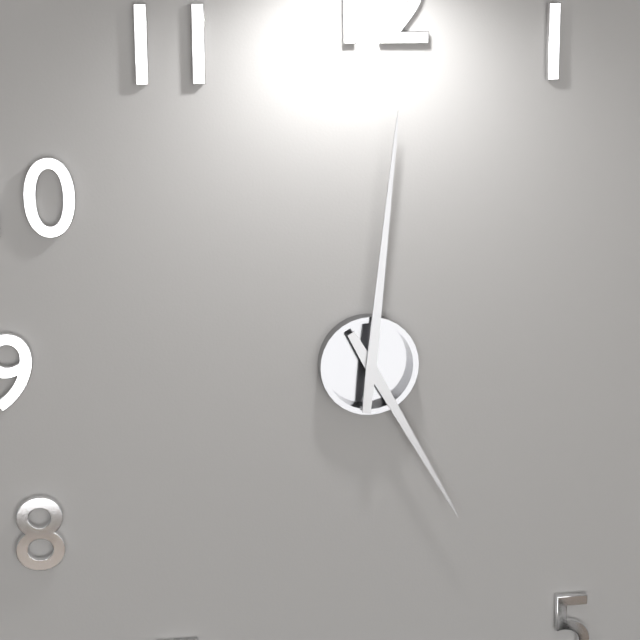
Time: h=5 m=1
